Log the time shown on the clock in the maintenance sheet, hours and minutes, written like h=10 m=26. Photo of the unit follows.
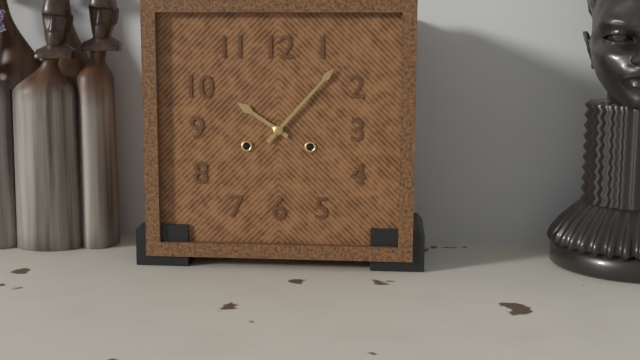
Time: h=10 m=7
